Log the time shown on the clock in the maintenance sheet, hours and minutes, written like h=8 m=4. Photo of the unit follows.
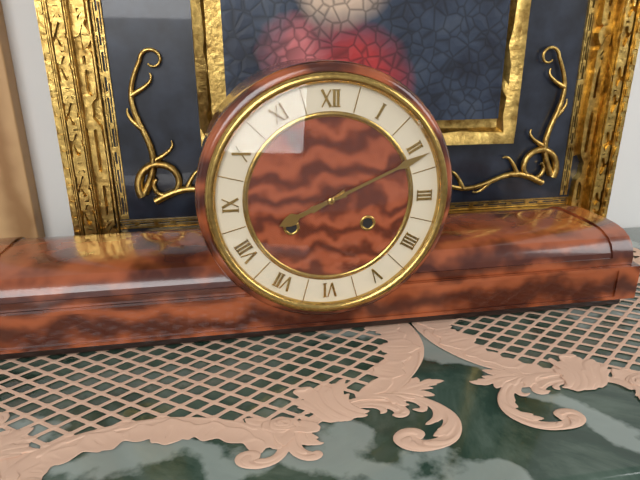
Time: h=8 m=11
